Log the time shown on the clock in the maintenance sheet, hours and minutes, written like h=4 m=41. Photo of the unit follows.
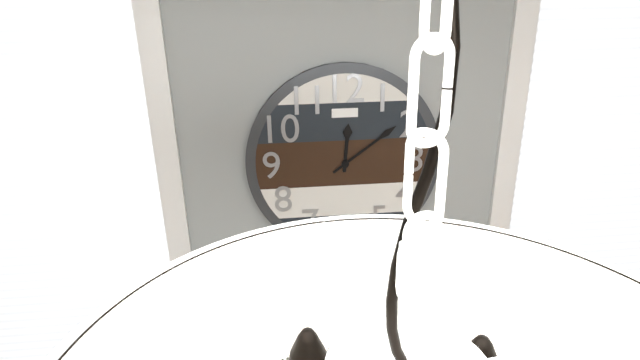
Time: h=12 m=9
